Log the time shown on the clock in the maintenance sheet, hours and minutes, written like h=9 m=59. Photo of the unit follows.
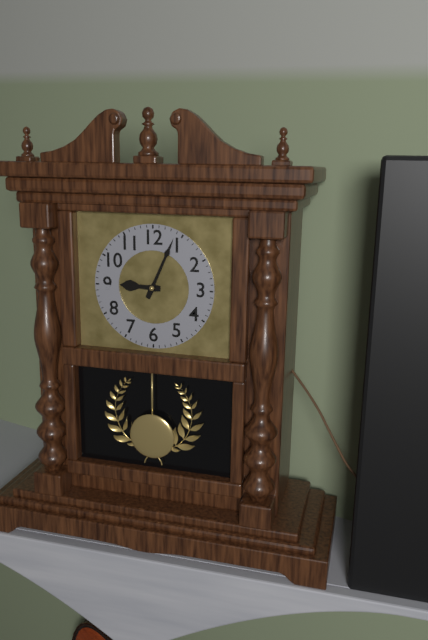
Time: h=9 m=4
